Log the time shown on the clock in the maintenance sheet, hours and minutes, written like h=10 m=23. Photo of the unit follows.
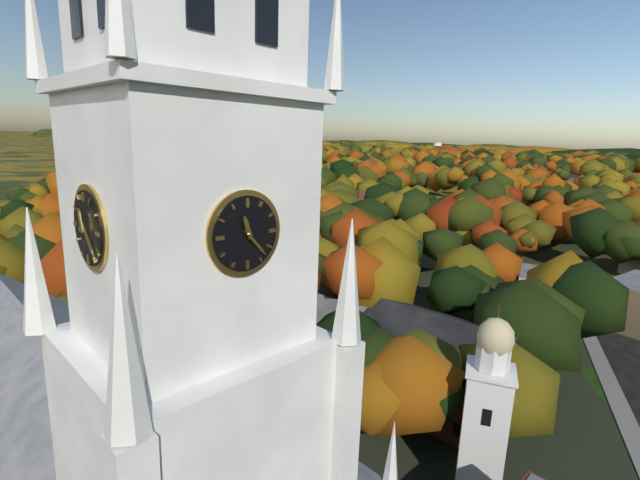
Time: h=11 m=23
